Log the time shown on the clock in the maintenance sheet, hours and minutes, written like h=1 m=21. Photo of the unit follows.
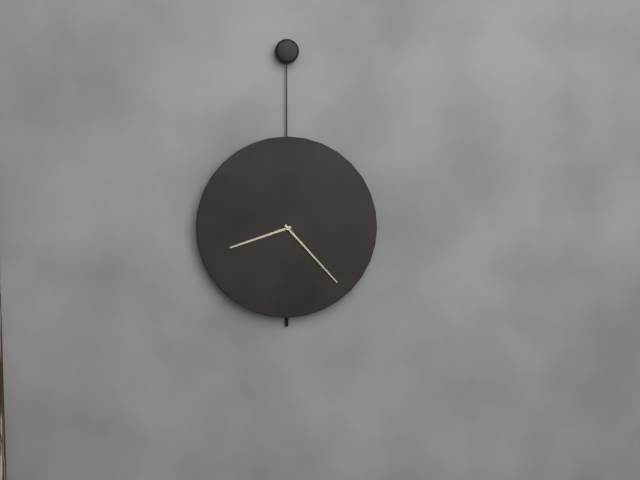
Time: h=8 m=23
